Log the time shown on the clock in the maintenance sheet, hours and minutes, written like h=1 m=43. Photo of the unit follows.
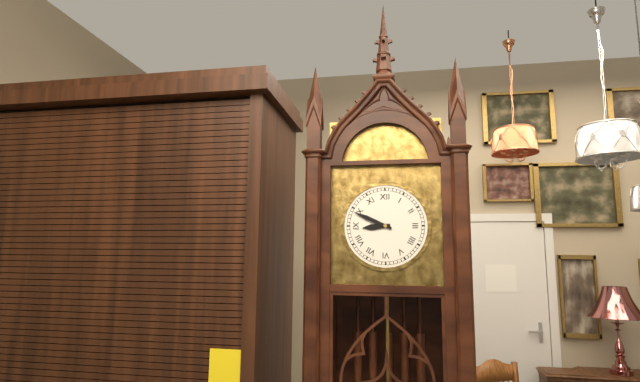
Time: h=8 m=49
